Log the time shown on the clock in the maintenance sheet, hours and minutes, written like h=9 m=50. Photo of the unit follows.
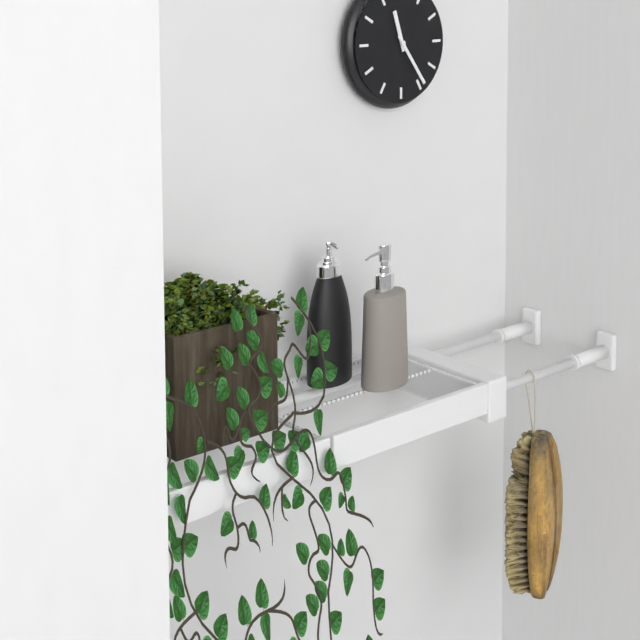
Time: h=11 m=24
